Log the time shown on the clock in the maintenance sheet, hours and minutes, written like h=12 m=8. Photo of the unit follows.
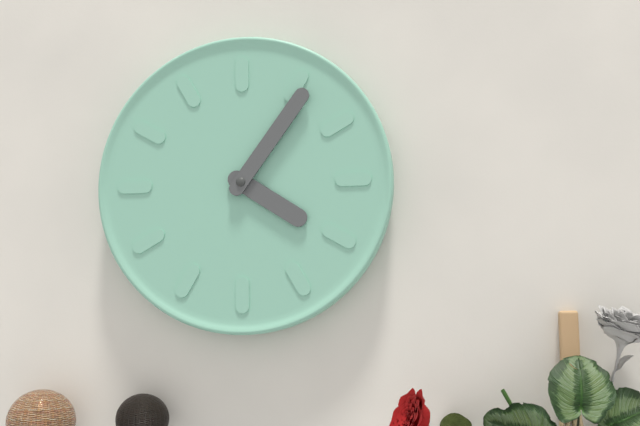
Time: h=4 m=6
